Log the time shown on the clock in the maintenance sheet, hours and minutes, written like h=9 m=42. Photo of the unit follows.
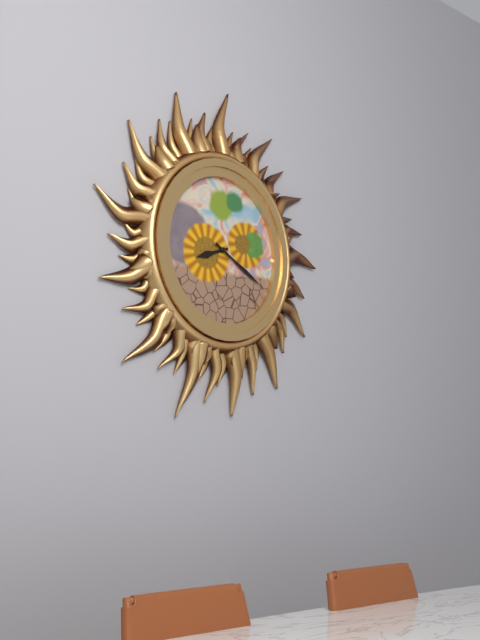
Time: h=8 m=20
